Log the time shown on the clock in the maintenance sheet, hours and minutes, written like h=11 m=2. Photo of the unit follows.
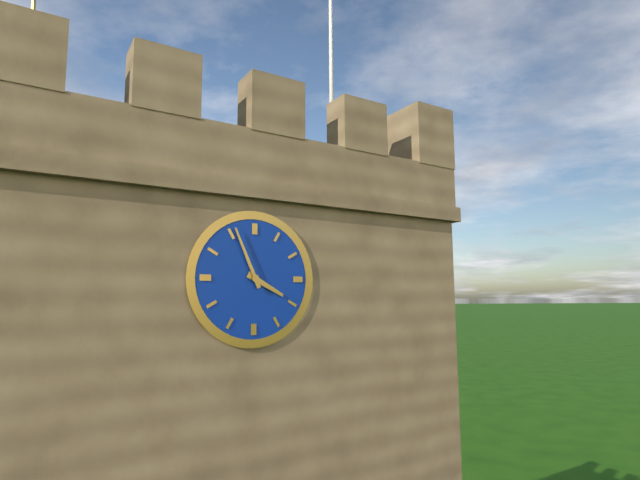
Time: h=3 m=56
